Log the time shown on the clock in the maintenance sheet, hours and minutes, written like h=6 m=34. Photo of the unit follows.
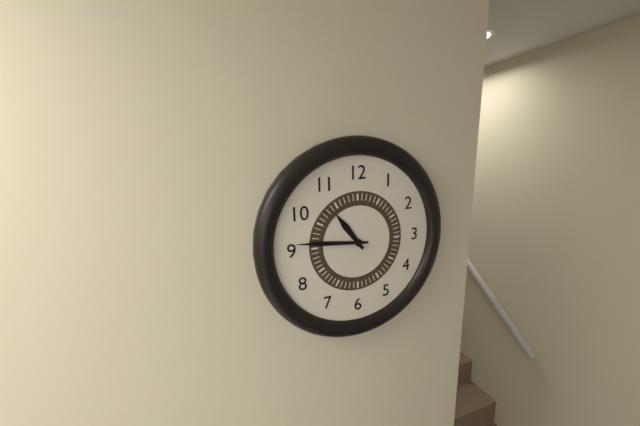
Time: h=10 m=46
